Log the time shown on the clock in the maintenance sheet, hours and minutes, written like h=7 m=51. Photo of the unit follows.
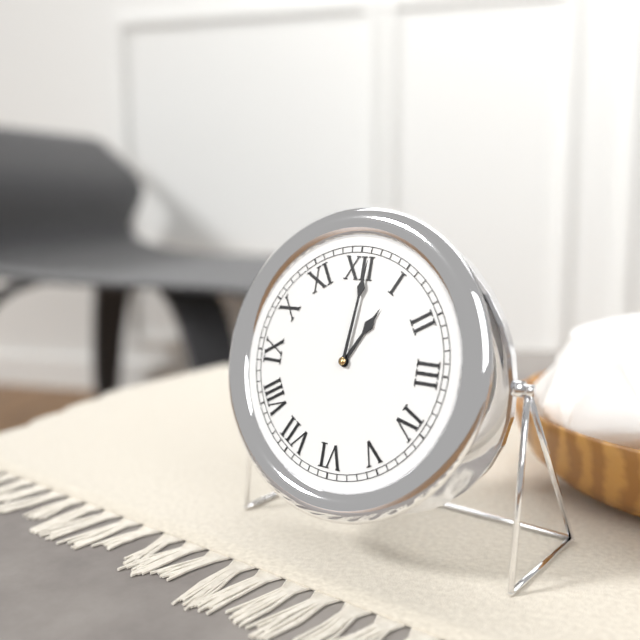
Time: h=1 m=1
